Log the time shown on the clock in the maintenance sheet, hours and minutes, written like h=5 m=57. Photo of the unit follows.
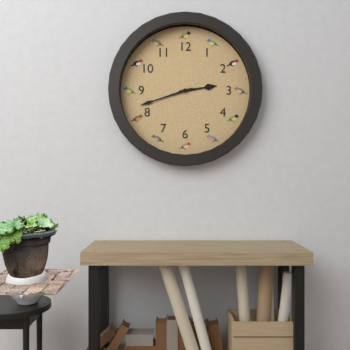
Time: h=2 m=42
